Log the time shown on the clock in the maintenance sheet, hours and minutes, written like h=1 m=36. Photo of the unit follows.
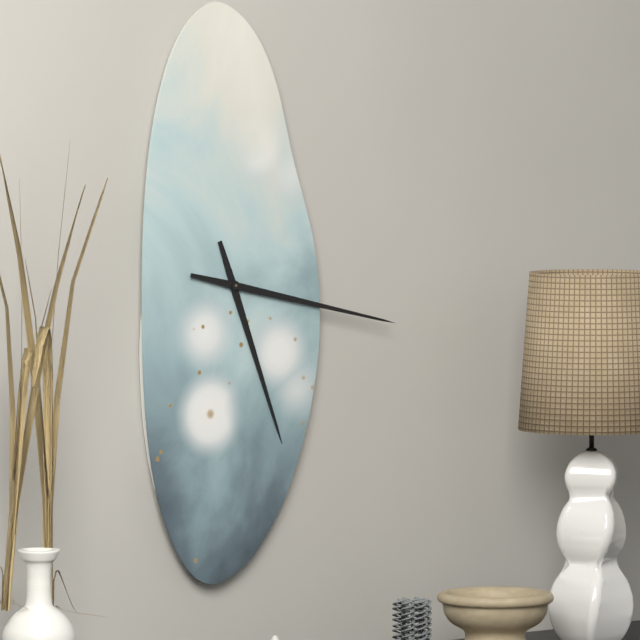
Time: h=5 m=17
